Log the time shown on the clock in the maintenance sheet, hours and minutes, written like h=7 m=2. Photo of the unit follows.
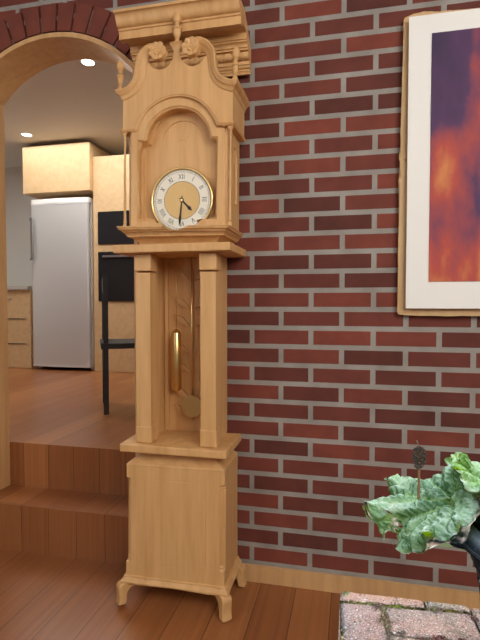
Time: h=4 m=31
